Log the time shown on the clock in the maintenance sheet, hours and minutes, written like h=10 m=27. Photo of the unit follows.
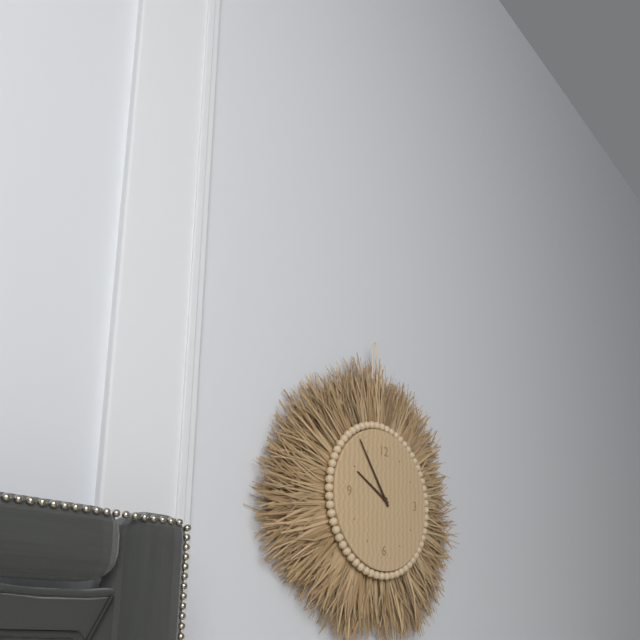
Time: h=9 m=54
